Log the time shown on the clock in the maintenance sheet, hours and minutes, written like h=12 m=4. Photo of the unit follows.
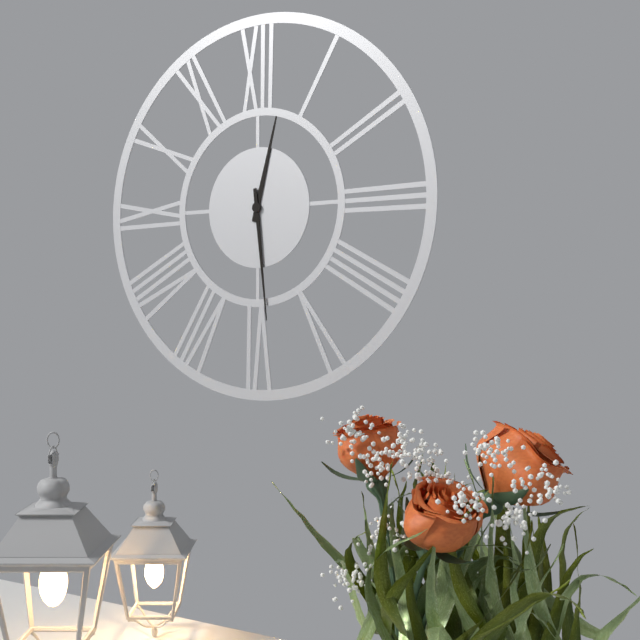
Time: h=12 m=29
